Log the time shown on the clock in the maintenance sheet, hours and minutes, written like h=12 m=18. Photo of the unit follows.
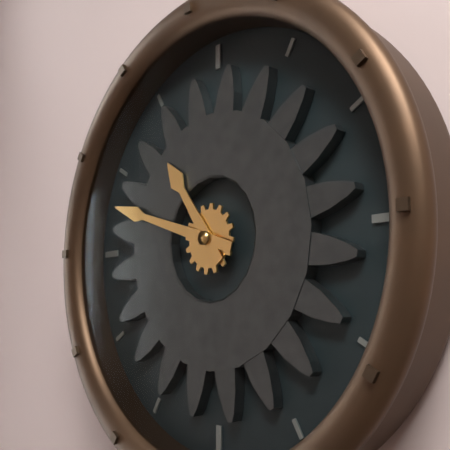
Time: h=10 m=48
